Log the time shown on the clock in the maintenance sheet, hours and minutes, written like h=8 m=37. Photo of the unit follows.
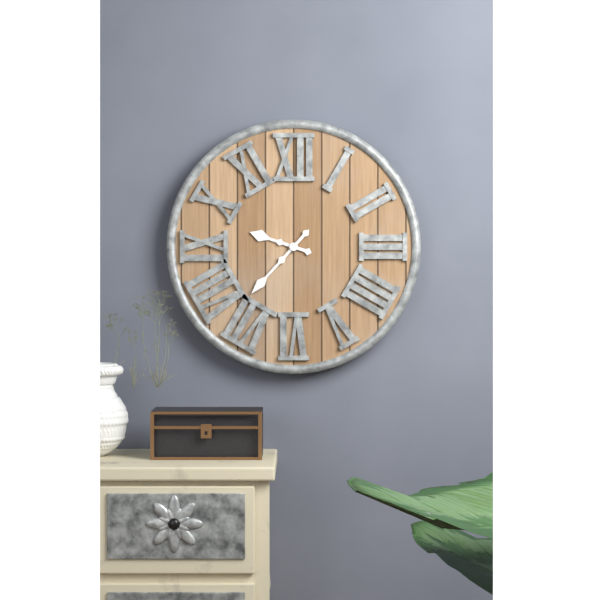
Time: h=9 m=37
